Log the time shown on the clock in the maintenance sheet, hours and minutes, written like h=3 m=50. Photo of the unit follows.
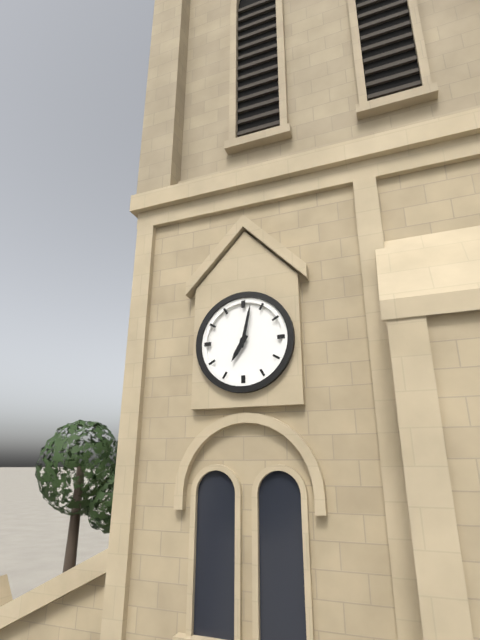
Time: h=7 m=2
